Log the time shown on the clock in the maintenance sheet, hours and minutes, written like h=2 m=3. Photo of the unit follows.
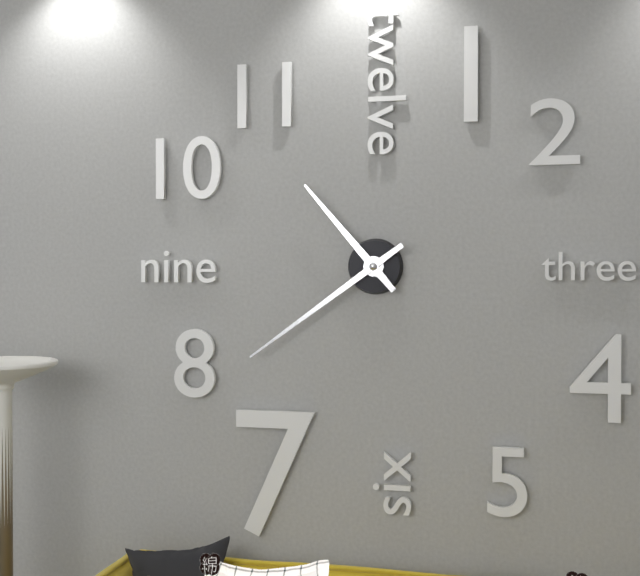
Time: h=10 m=39
